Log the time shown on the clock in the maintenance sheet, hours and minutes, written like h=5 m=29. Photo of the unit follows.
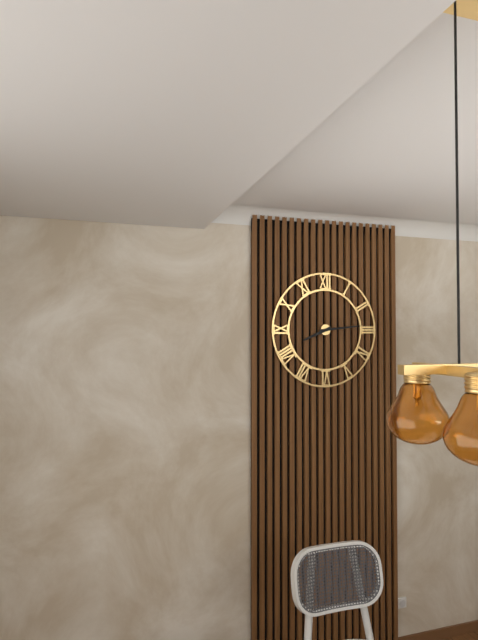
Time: h=8 m=14
